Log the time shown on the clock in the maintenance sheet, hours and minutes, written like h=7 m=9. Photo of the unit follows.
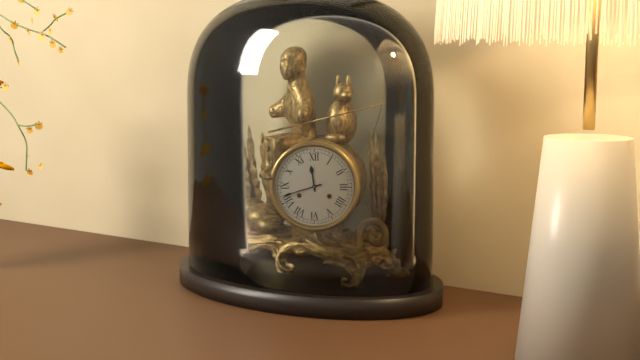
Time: h=11 m=42
